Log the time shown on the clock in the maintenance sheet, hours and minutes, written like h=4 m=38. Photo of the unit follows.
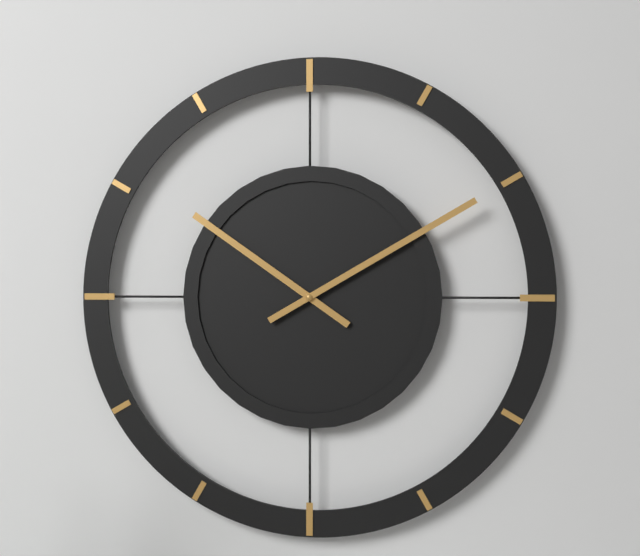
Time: h=10 m=10
